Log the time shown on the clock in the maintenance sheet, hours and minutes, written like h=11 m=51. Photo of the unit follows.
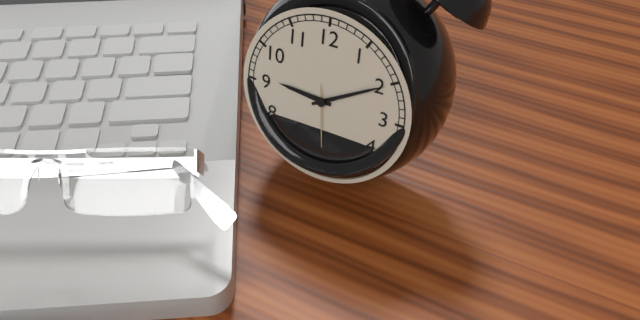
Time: h=9 m=10
